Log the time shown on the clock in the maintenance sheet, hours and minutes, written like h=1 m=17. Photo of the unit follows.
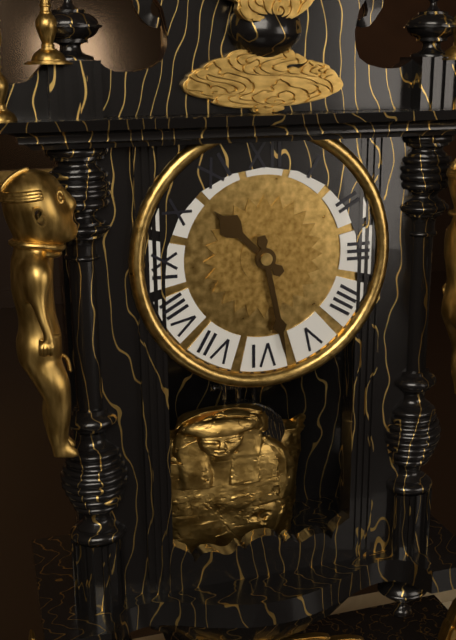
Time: h=10 m=28
